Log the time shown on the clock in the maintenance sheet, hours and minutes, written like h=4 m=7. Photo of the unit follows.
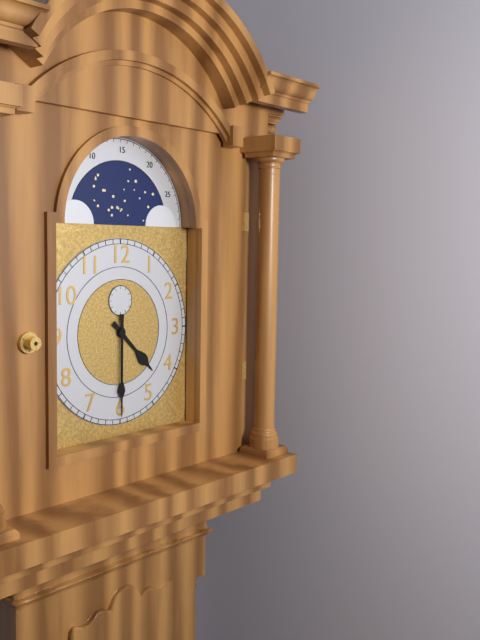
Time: h=4 m=30
